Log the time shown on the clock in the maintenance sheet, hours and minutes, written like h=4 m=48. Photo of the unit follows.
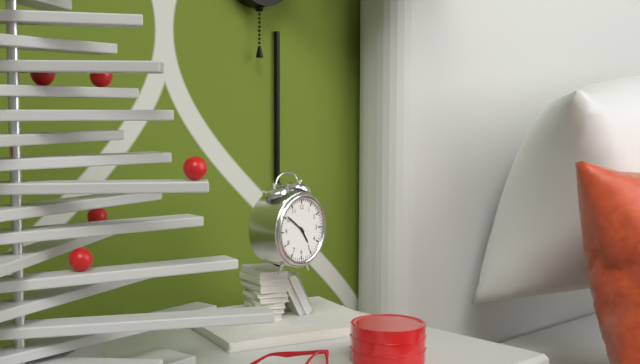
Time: h=4 m=51
